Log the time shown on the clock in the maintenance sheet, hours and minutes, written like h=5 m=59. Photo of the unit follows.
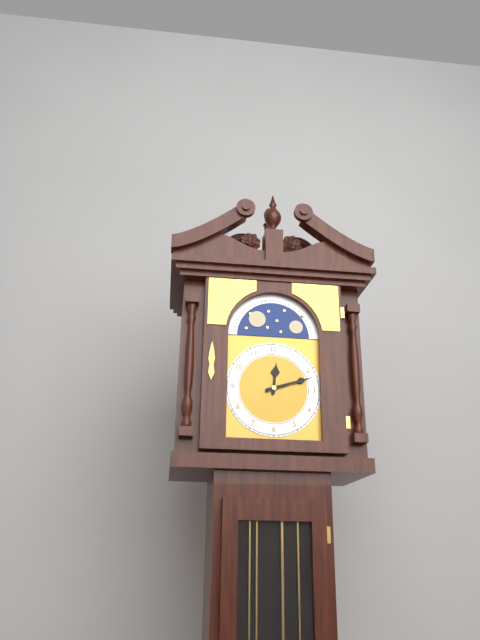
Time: h=12 m=12
